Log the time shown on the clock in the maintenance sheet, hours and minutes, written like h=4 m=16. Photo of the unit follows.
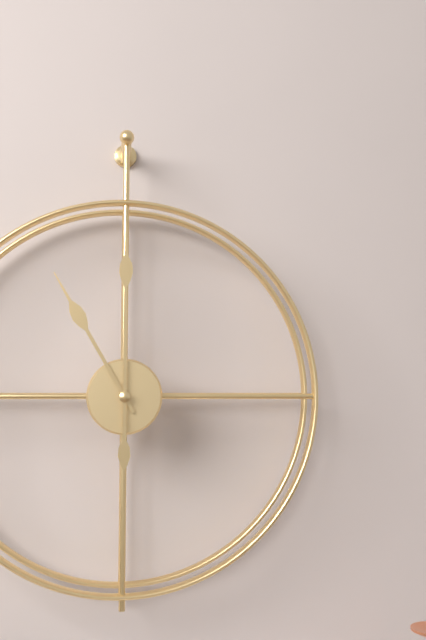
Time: h=11 m=0
